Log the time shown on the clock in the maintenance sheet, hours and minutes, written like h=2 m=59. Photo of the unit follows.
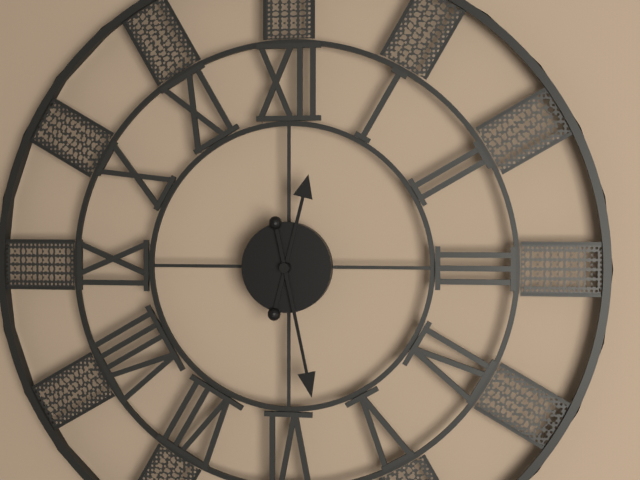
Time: h=12 m=28
